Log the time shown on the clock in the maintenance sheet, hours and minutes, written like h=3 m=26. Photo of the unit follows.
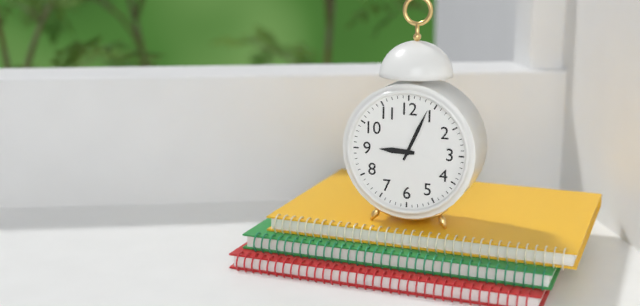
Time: h=9 m=4
